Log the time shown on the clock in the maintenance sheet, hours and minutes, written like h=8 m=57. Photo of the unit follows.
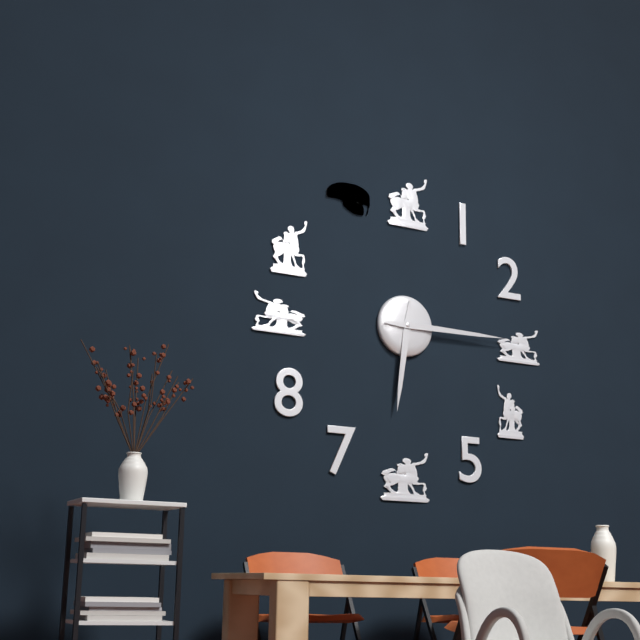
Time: h=6 m=15
